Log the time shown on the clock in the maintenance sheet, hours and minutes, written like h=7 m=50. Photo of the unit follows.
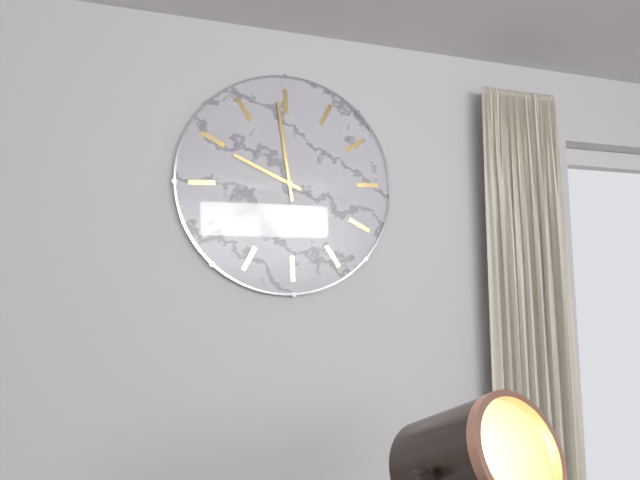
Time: h=8 m=54
